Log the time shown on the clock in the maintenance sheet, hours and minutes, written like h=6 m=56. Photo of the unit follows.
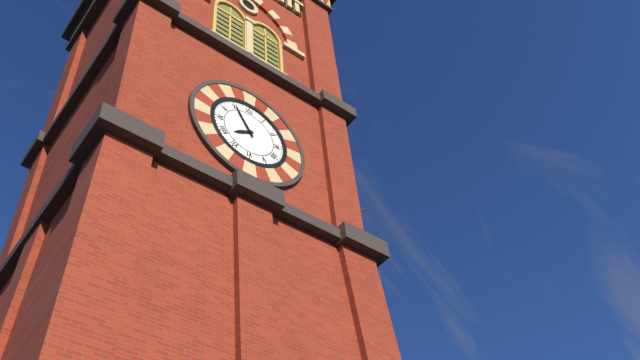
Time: h=7 m=55
